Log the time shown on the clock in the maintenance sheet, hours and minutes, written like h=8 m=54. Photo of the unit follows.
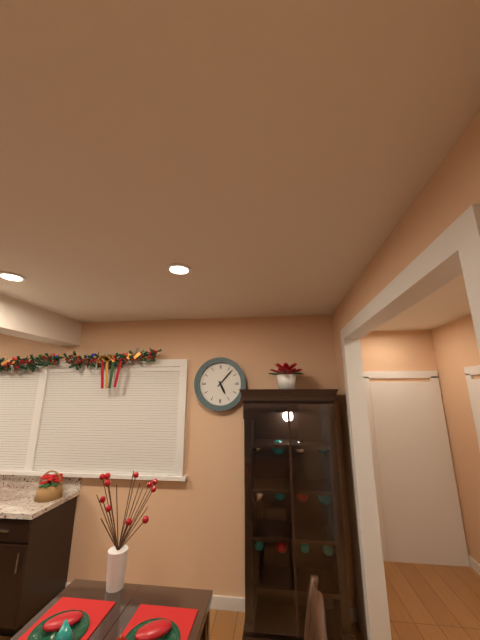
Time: h=5 m=7
